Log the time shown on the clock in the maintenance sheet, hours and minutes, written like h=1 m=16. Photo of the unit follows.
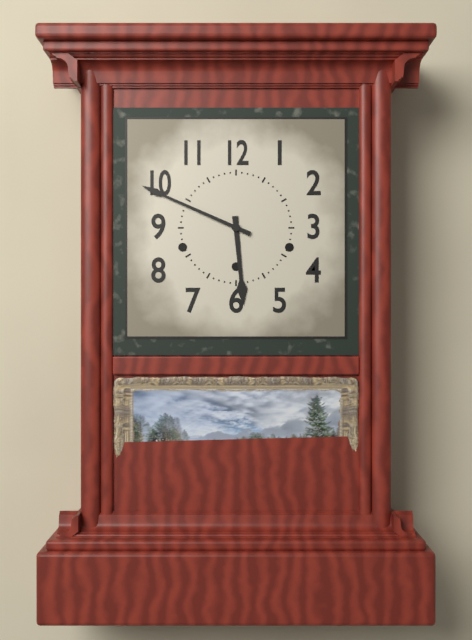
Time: h=5 m=49
